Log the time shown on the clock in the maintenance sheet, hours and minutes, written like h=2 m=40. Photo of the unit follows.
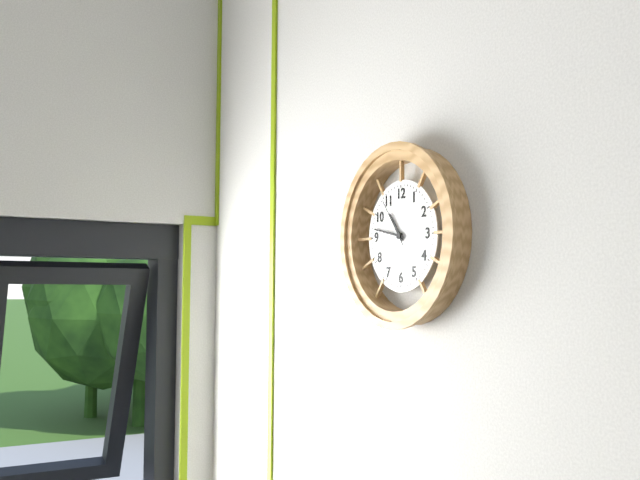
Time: h=10 m=47
